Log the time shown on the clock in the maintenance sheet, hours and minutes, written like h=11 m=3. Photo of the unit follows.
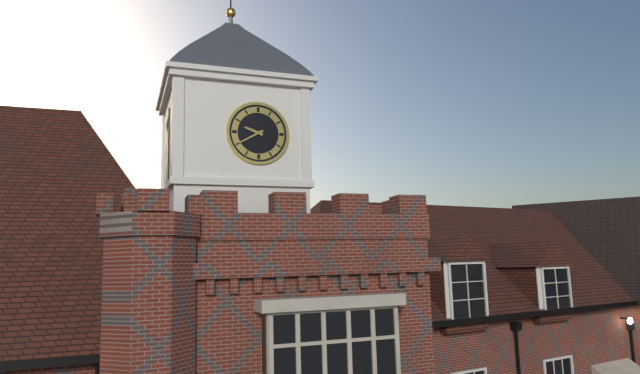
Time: h=9 m=40
